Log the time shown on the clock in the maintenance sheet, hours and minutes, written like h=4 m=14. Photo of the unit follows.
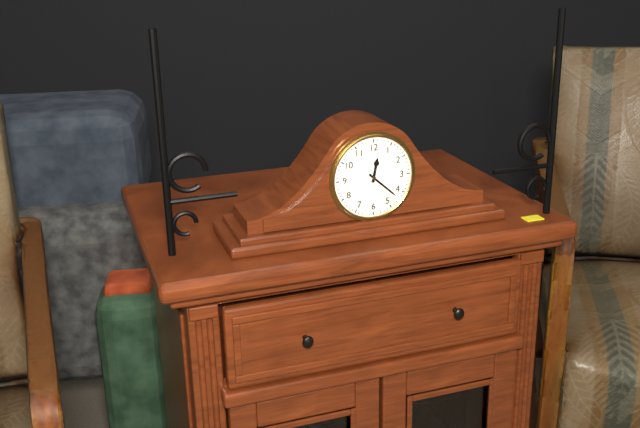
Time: h=12 m=22
